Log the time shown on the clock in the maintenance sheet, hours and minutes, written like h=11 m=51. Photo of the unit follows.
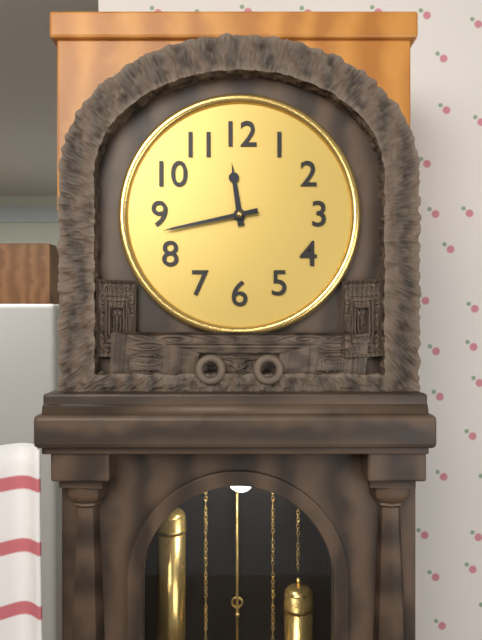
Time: h=11 m=43
